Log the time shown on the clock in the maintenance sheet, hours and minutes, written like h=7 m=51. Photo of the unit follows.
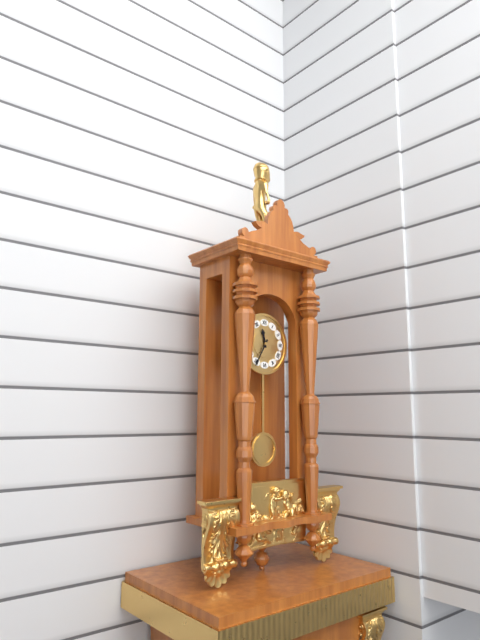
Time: h=11 m=35
